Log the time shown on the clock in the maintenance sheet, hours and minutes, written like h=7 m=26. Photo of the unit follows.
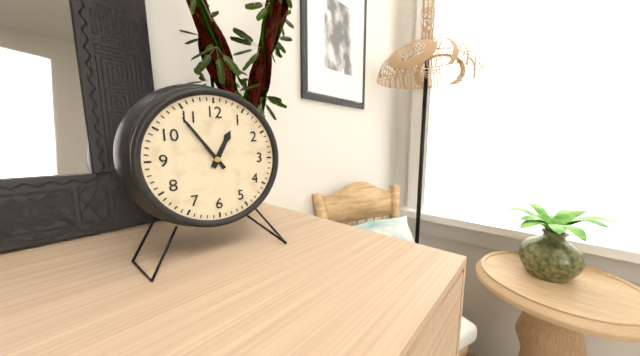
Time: h=12 m=54
